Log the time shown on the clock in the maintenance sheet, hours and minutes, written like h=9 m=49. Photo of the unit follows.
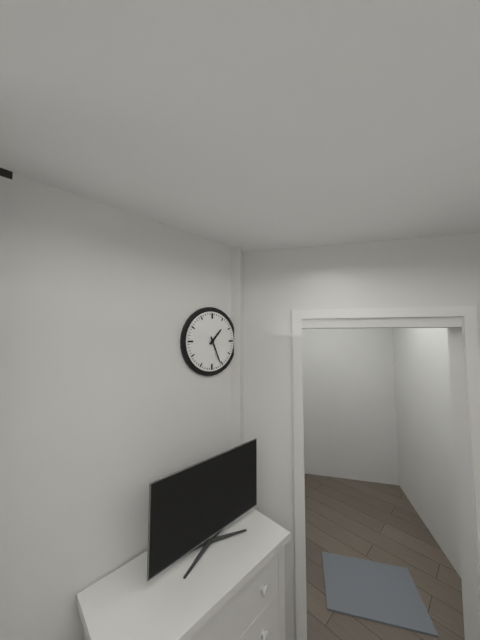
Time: h=1 m=26
